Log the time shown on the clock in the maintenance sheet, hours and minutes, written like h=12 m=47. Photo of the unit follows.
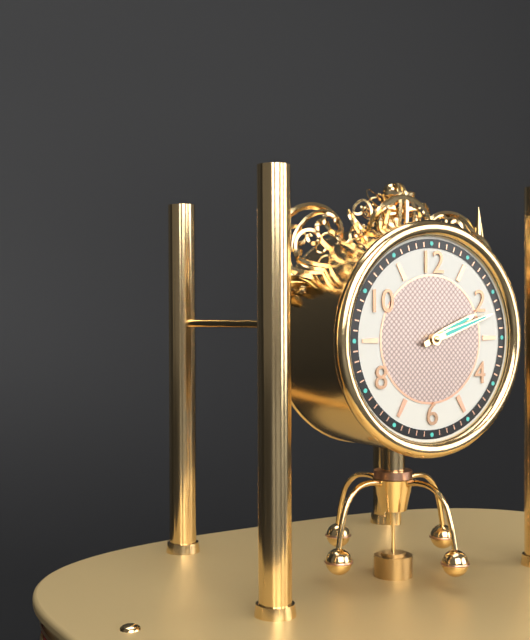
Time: h=2 m=12
